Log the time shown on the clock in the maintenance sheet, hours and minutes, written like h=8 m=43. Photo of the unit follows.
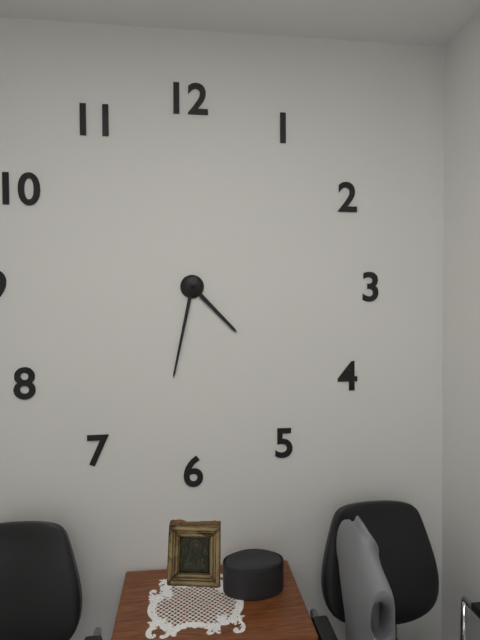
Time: h=4 m=32
